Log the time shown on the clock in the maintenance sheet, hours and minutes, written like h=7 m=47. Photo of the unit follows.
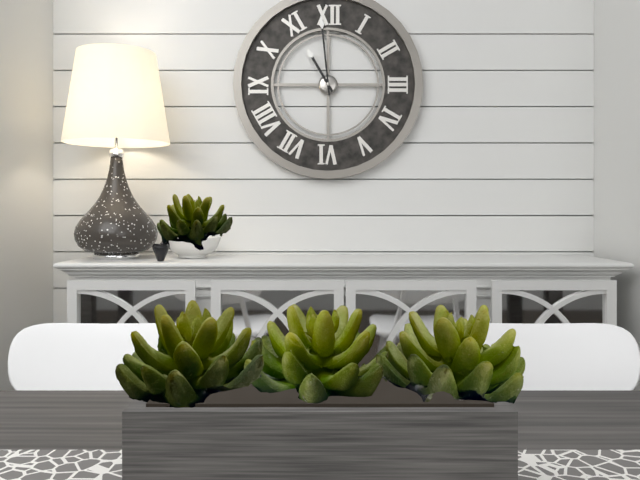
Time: h=10 m=59
